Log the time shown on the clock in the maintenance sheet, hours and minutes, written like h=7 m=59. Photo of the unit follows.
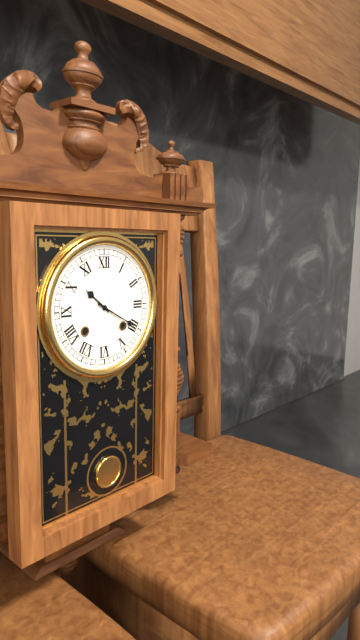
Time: h=10 m=20
